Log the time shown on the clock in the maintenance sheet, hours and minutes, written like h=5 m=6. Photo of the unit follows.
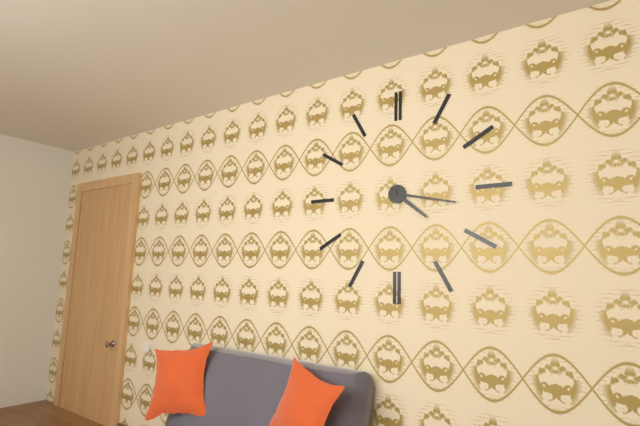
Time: h=4 m=17
